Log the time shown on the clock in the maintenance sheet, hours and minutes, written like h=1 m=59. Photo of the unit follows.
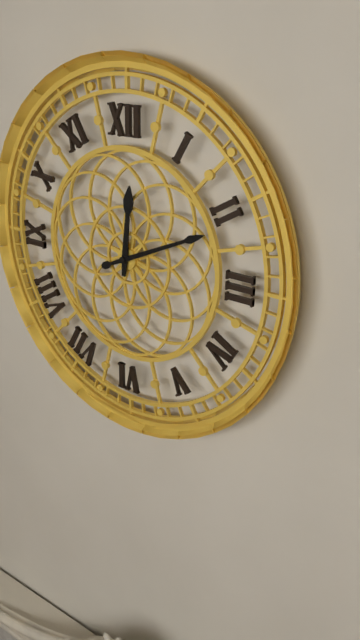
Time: h=12 m=11
